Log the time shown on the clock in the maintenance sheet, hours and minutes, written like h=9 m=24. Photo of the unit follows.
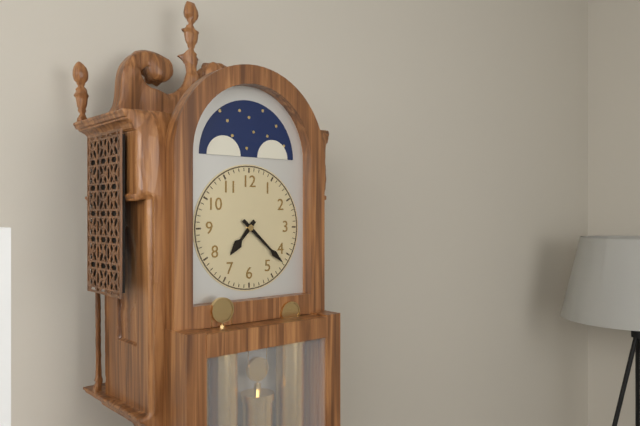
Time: h=7 m=22
